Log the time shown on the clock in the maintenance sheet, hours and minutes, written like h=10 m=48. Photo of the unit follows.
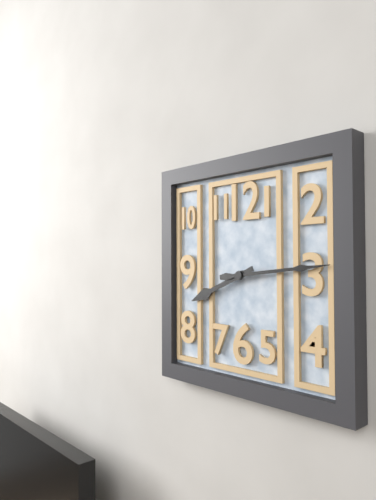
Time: h=8 m=14
